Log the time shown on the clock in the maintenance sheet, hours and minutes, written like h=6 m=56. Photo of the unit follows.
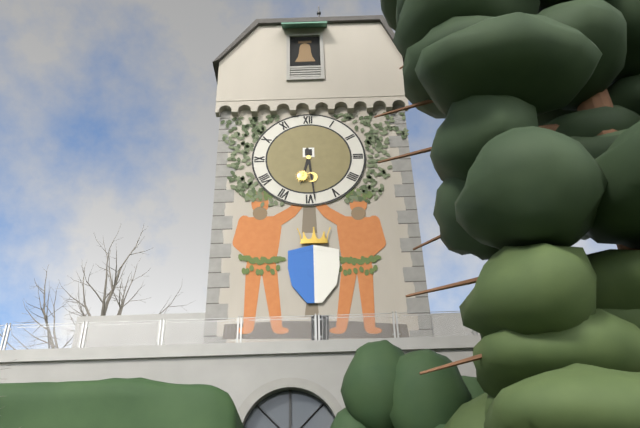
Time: h=6 m=29
